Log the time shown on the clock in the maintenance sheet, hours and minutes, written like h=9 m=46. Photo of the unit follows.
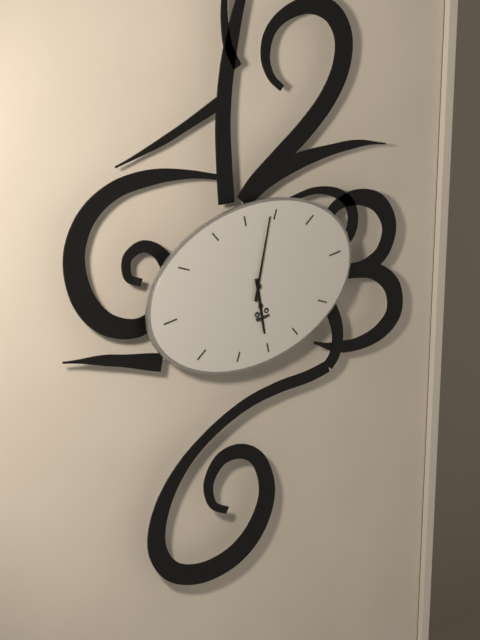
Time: h=6 m=4
